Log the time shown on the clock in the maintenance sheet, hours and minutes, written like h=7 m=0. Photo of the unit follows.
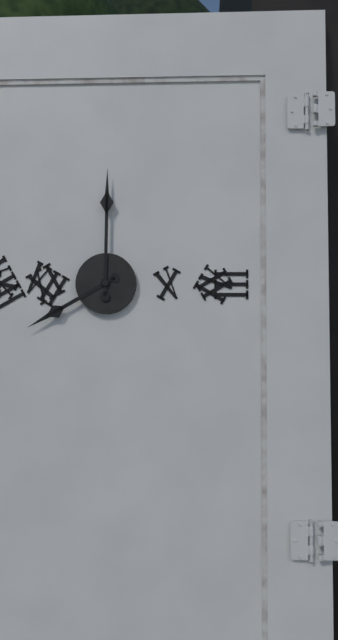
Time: h=8 m=0
